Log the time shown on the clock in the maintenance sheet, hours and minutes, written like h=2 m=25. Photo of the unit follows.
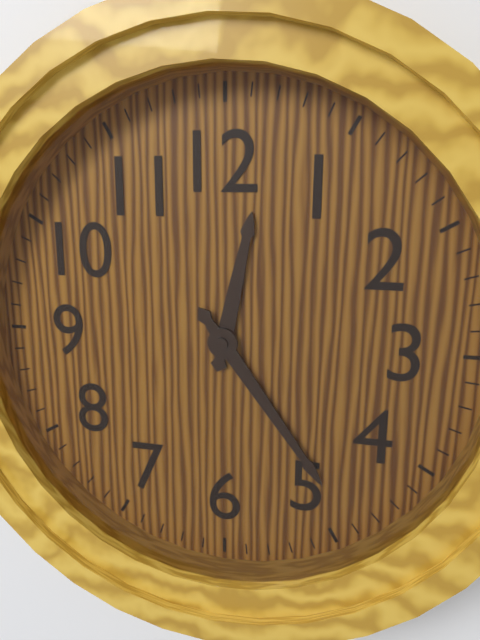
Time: h=12 m=24
